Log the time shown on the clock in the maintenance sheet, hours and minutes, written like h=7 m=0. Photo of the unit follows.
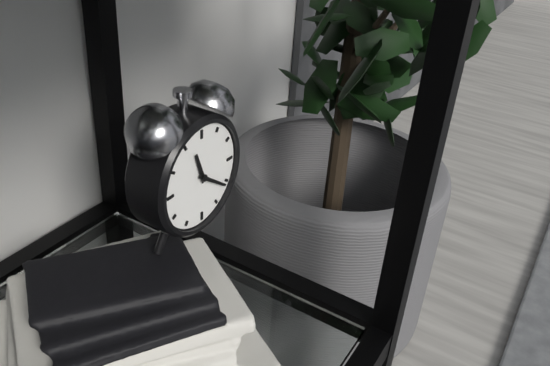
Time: h=11 m=21
